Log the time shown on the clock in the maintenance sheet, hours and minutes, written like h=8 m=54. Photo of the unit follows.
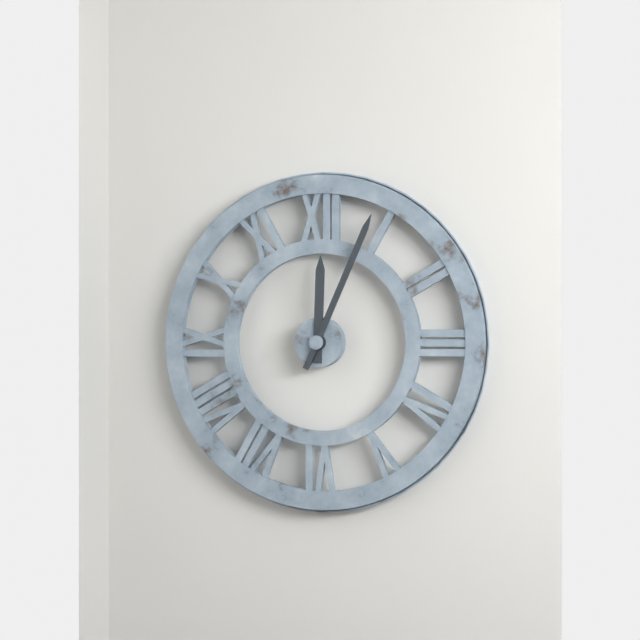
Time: h=12 m=4
